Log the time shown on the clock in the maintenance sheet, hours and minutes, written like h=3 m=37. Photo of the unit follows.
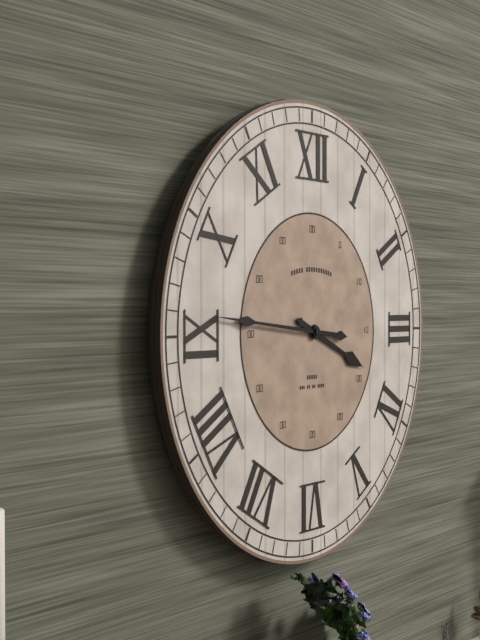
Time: h=3 m=46
